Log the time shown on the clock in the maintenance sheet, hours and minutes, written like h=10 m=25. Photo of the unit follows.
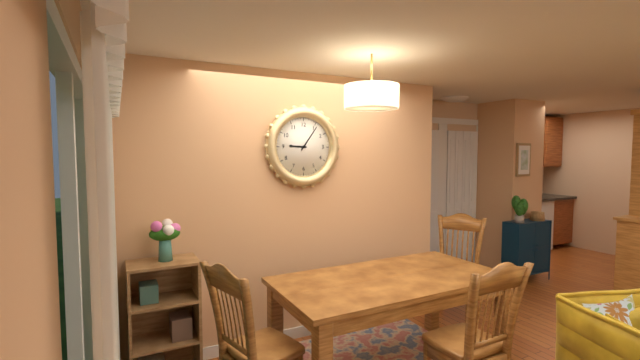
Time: h=9 m=6
